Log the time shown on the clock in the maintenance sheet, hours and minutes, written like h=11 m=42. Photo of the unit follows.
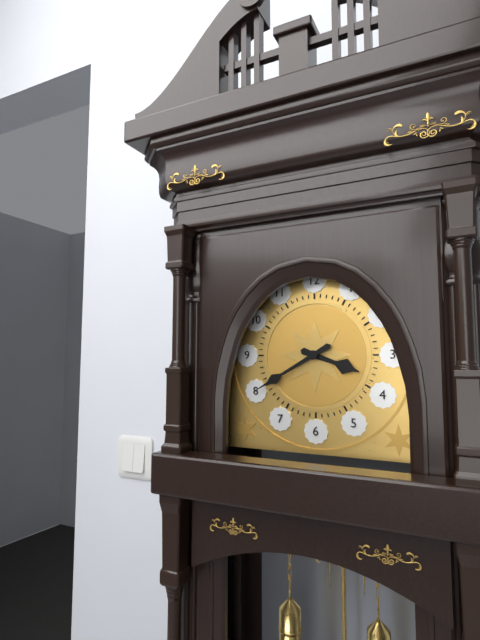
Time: h=3 m=40
